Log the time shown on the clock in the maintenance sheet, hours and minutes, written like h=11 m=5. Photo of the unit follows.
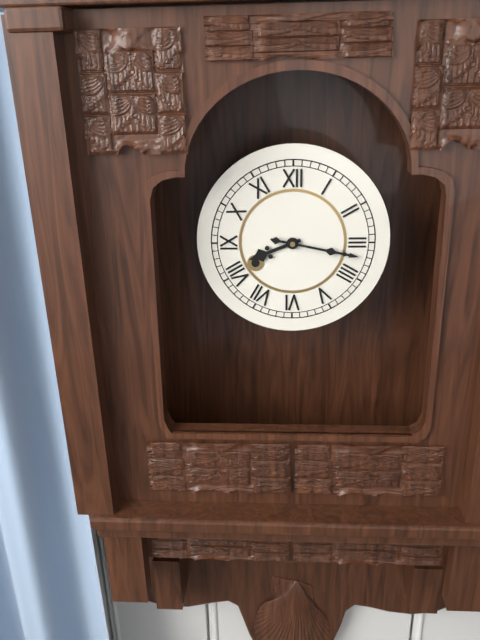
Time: h=8 m=17
